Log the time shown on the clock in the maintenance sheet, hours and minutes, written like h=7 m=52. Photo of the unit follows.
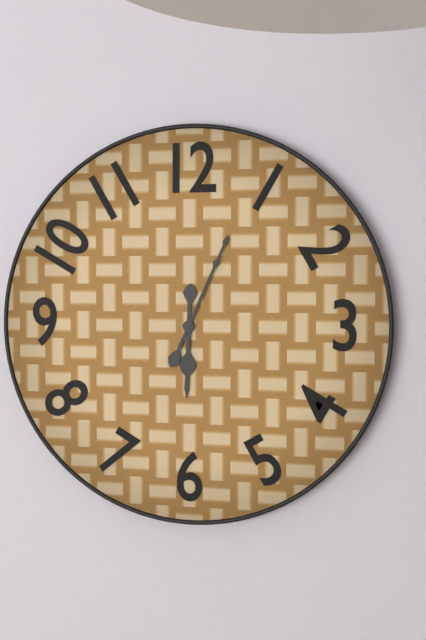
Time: h=6 m=4
